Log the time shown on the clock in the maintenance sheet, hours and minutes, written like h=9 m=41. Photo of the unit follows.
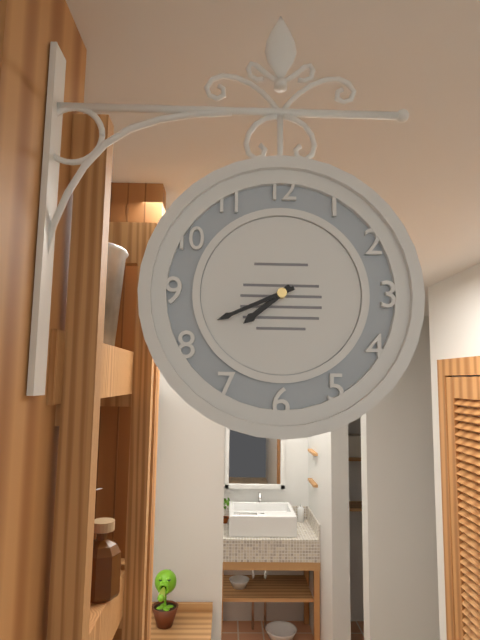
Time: h=7 m=41
